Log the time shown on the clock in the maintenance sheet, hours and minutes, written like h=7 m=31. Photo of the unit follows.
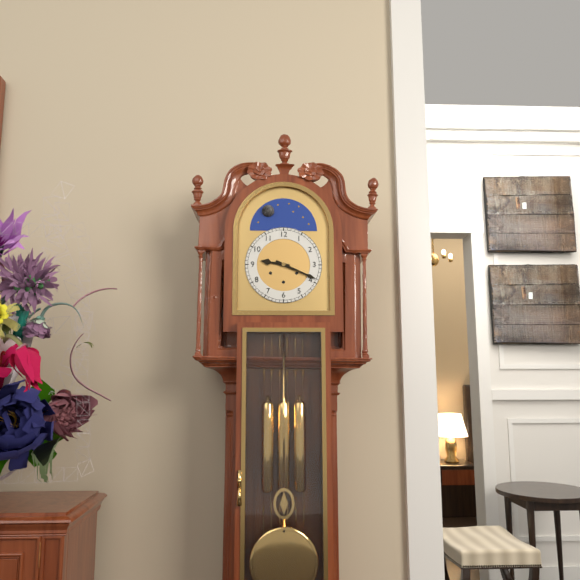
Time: h=9 m=19
